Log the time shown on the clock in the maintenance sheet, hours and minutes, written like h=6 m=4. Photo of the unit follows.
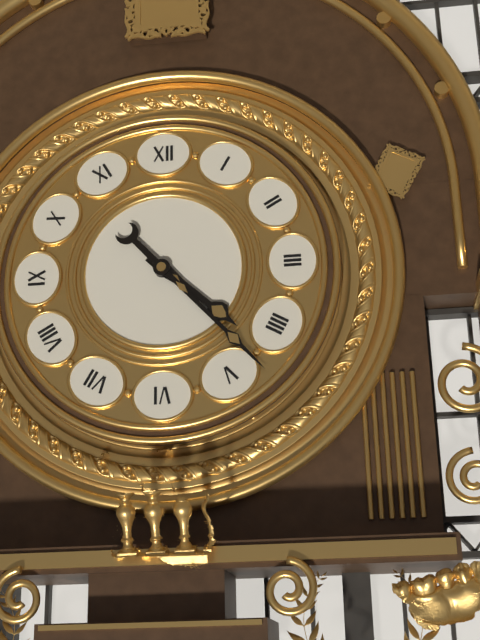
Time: h=4 m=23
